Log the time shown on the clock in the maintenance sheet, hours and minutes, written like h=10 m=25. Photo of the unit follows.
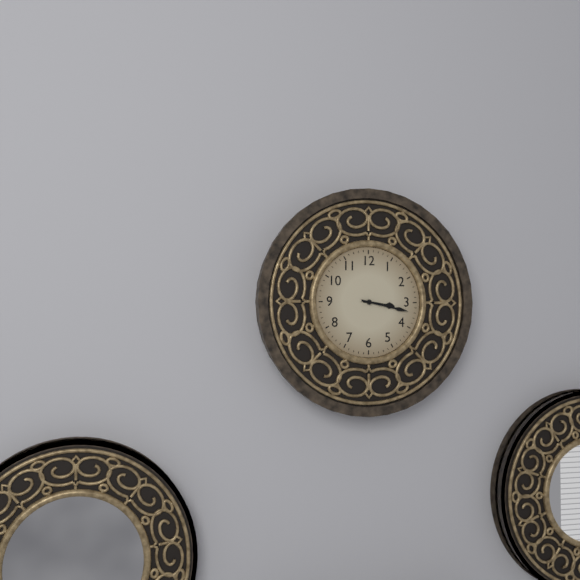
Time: h=3 m=17
